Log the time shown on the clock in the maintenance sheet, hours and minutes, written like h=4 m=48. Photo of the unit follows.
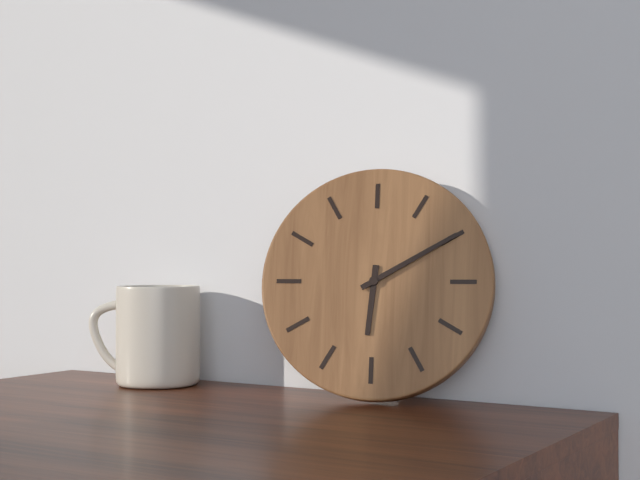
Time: h=6 m=10
